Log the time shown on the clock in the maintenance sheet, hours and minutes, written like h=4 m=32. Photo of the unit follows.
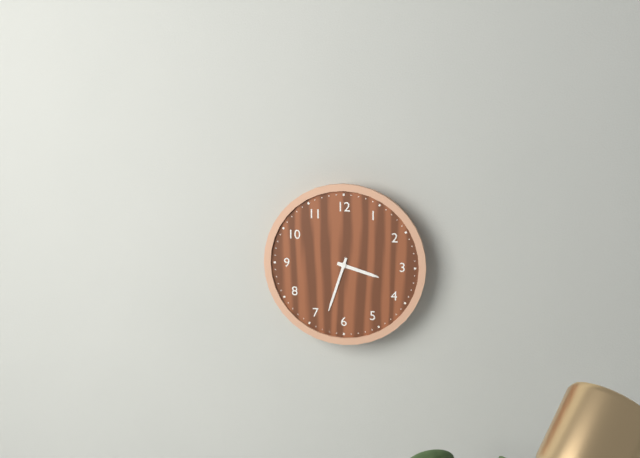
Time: h=3 m=33
